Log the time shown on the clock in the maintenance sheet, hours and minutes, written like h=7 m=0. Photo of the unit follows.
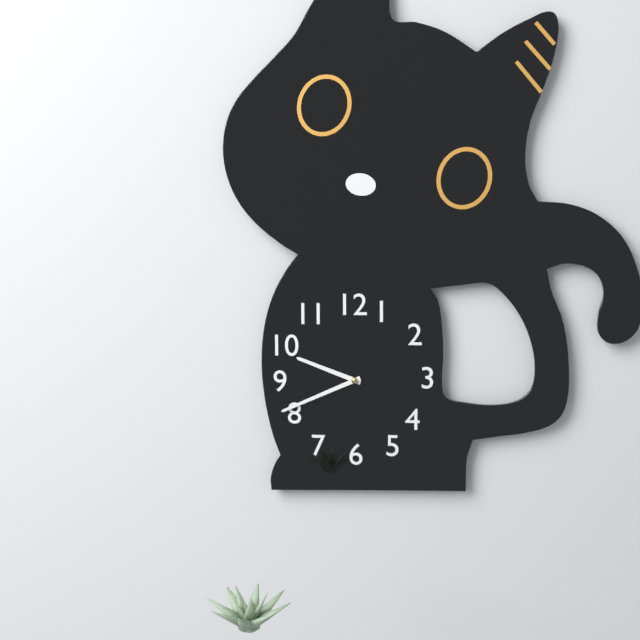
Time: h=9 m=41
